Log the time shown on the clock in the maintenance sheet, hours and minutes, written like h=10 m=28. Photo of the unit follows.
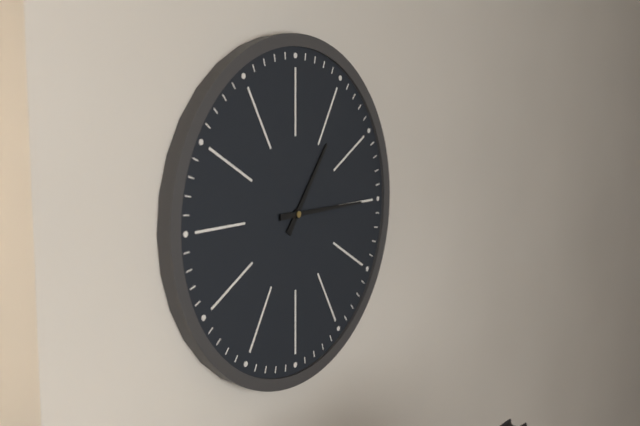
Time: h=1 m=15
